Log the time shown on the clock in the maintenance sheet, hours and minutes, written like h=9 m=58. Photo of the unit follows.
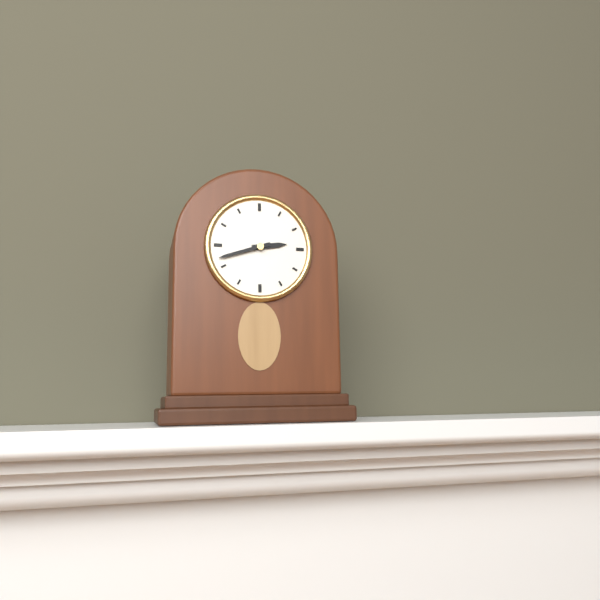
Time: h=2 m=42
